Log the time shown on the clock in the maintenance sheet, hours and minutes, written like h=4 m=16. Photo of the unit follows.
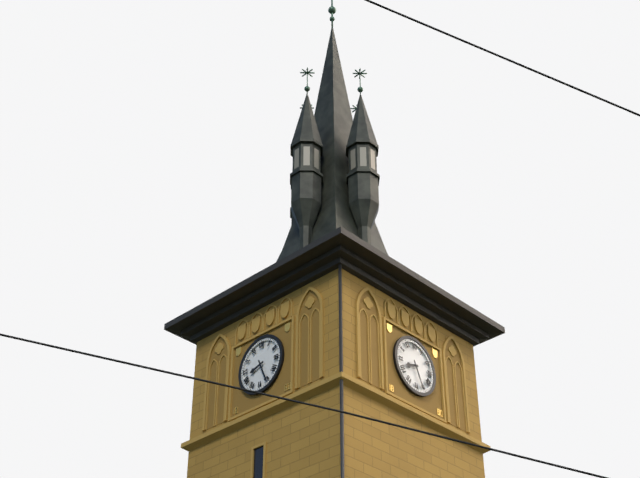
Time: h=8 m=26
